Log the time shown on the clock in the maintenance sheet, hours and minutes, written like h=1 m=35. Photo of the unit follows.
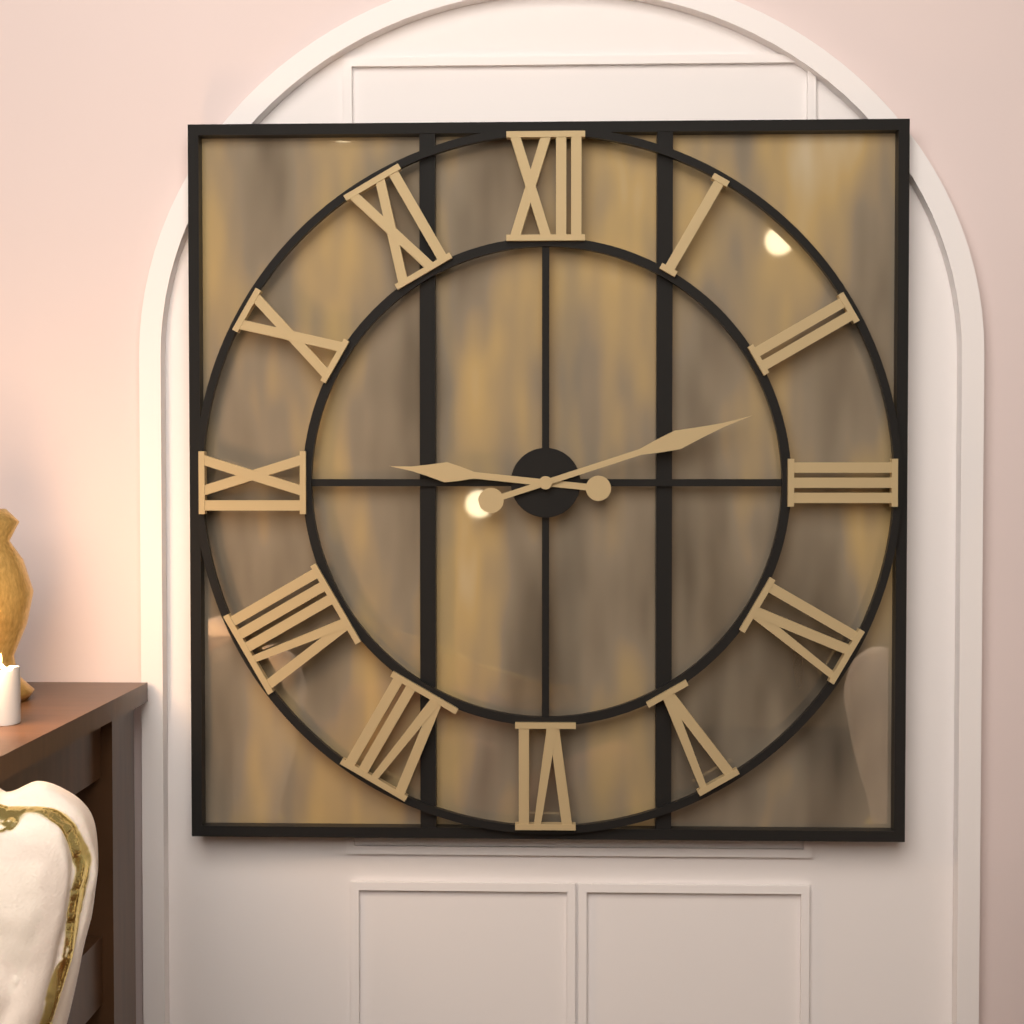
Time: h=9 m=12
